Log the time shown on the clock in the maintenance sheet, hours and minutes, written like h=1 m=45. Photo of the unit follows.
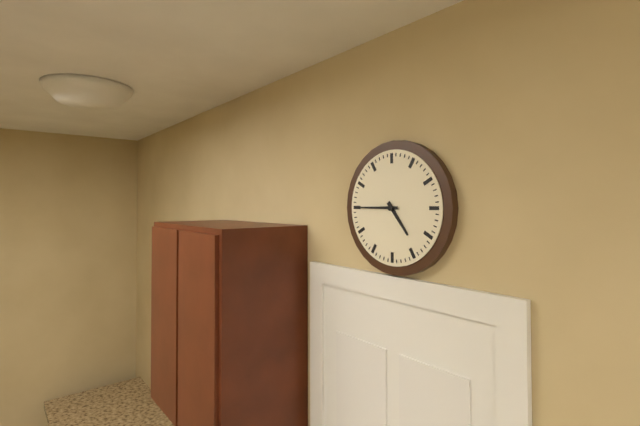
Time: h=4 m=45
